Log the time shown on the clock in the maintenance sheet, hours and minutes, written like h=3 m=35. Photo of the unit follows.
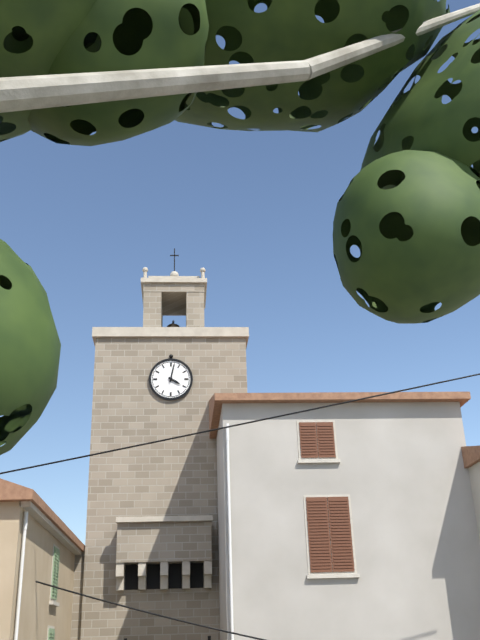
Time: h=4 m=2
